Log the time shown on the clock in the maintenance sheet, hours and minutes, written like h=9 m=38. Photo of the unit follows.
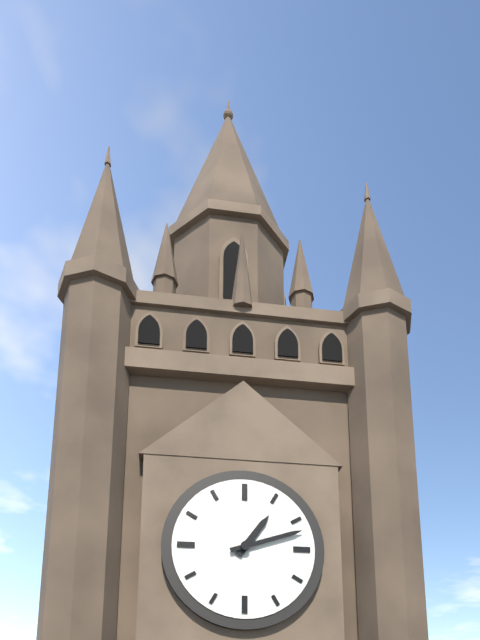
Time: h=1 m=12
